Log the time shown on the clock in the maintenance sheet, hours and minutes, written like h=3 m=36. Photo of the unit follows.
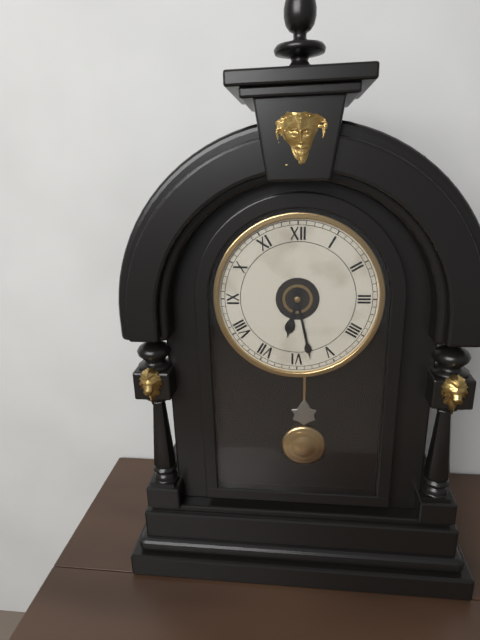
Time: h=6 m=28
